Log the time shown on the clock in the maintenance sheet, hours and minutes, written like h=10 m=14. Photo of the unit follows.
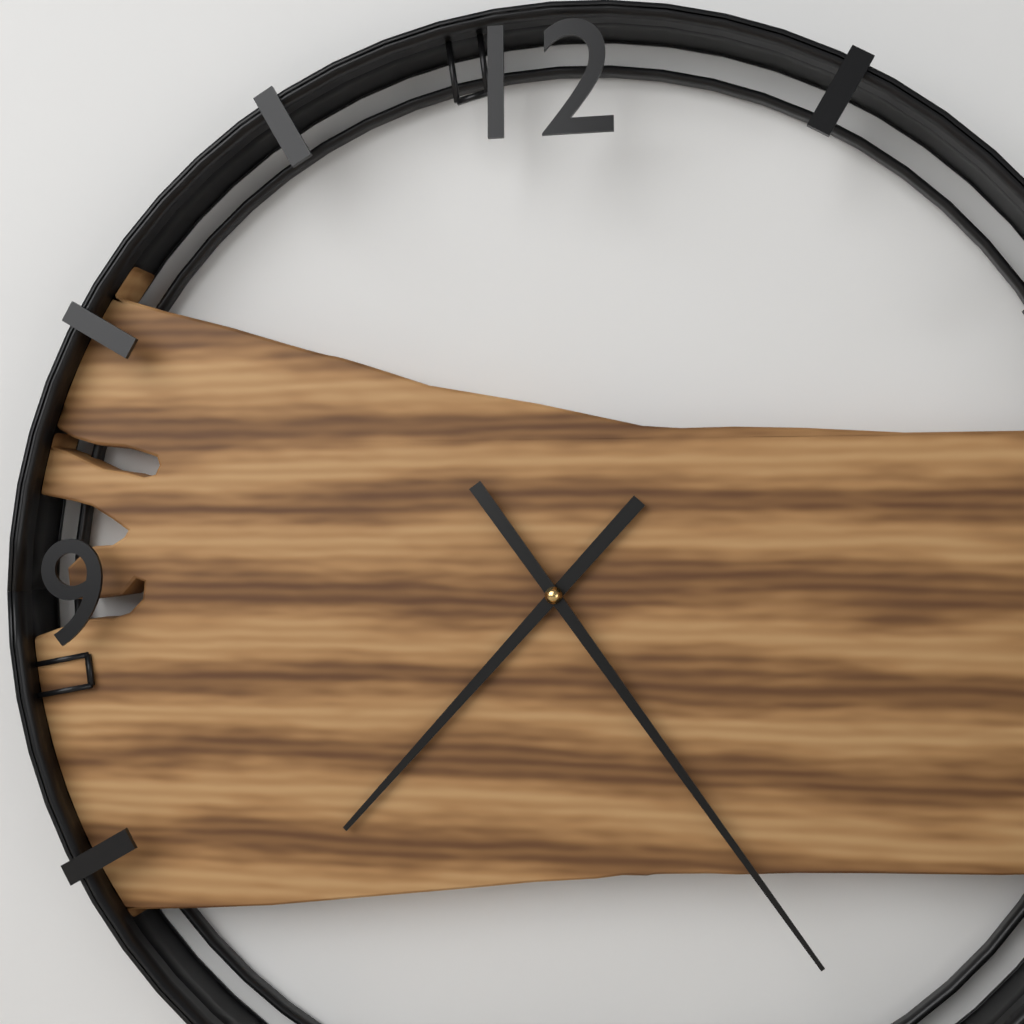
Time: h=7 m=24
